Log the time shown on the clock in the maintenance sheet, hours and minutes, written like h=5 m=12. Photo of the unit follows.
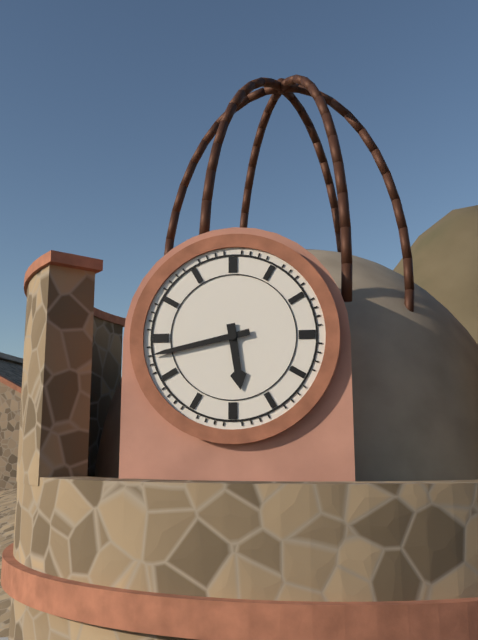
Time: h=5 m=43
